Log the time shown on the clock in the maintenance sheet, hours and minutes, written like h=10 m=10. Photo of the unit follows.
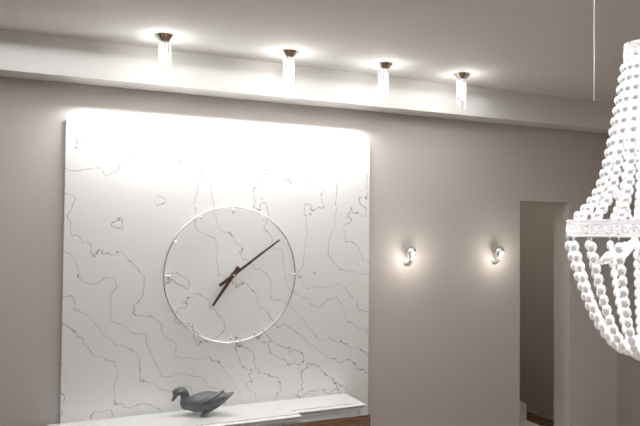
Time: h=7 m=9
